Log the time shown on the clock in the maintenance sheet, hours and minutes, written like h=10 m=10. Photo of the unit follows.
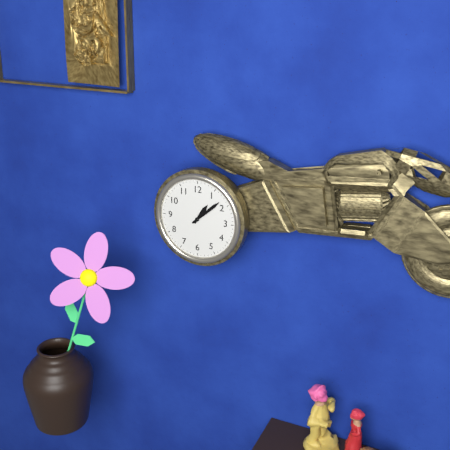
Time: h=1 m=8
